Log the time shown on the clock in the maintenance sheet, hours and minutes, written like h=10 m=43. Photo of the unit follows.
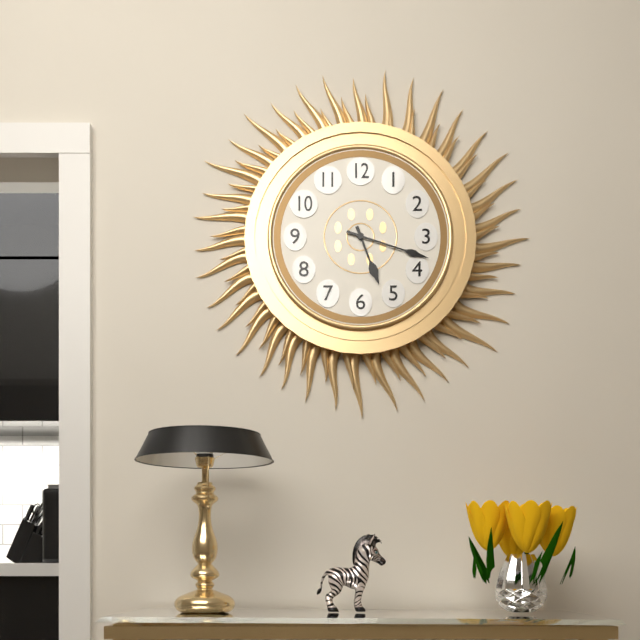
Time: h=5 m=18
